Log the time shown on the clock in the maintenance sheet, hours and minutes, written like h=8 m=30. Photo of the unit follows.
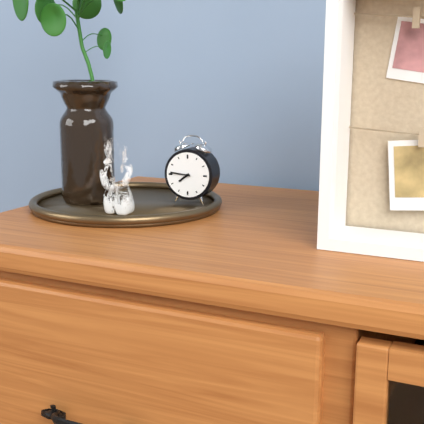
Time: h=7 m=46
